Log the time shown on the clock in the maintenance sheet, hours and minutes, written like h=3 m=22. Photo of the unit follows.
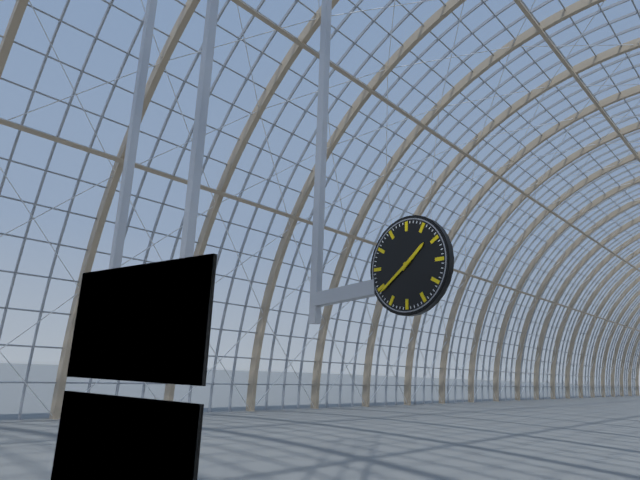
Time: h=1 m=39
